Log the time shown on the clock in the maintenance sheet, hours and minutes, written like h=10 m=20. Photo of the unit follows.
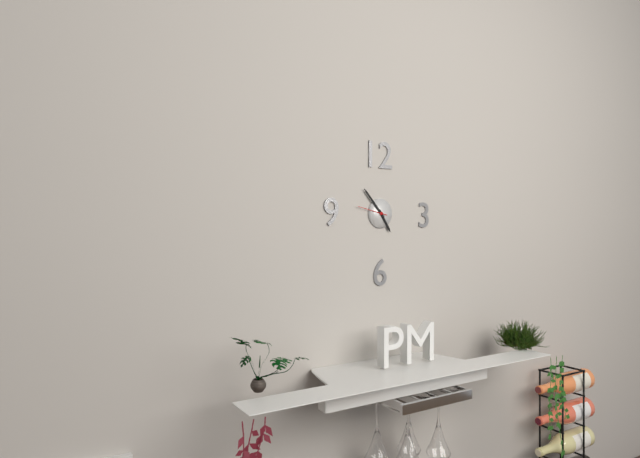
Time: h=4 m=53
